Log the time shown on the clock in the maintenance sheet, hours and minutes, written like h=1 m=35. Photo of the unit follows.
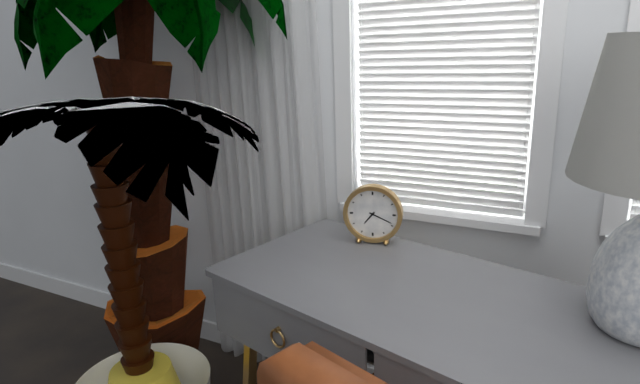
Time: h=7 m=19
